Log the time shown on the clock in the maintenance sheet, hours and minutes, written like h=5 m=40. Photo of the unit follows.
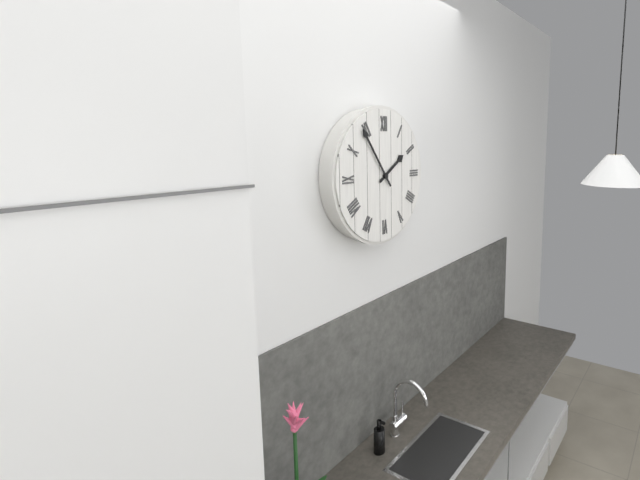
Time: h=1 m=54
